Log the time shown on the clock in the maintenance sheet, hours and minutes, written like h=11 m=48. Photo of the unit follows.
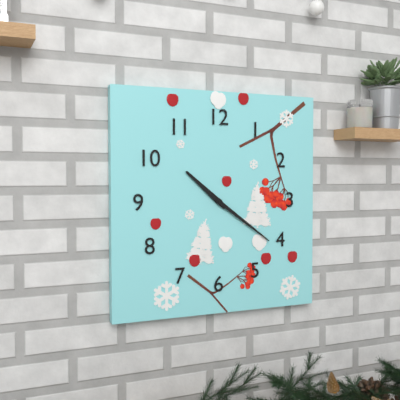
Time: h=10 m=21
